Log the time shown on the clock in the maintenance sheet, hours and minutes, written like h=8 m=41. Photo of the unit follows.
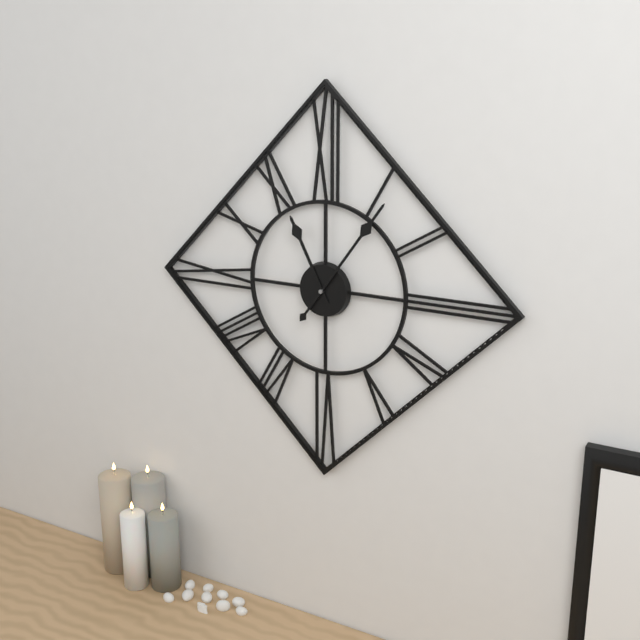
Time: h=11 m=6
